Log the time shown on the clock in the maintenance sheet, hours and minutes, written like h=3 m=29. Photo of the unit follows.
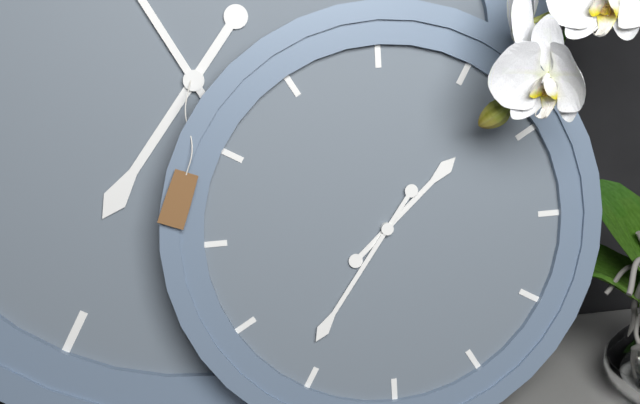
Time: h=1 m=36
